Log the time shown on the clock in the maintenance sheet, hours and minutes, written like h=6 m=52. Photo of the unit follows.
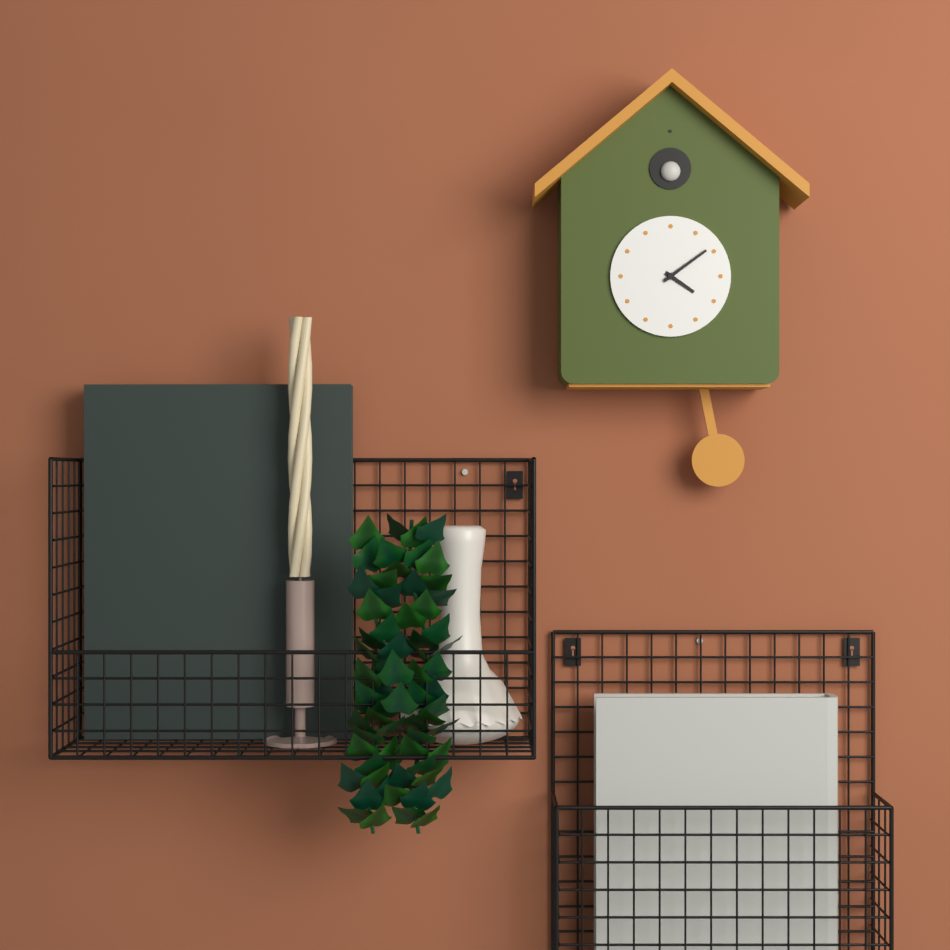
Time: h=4 m=9
